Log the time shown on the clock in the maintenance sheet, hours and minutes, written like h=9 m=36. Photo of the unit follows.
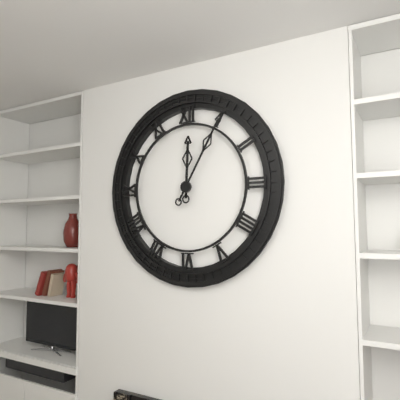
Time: h=12 m=5
